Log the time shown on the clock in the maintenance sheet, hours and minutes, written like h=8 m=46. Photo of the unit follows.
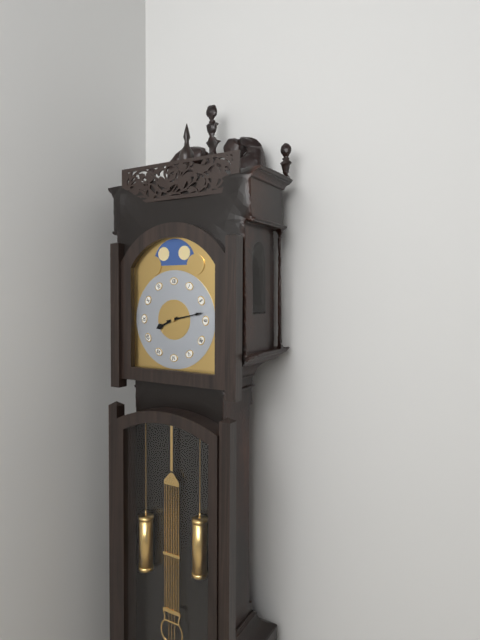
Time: h=8 m=13
